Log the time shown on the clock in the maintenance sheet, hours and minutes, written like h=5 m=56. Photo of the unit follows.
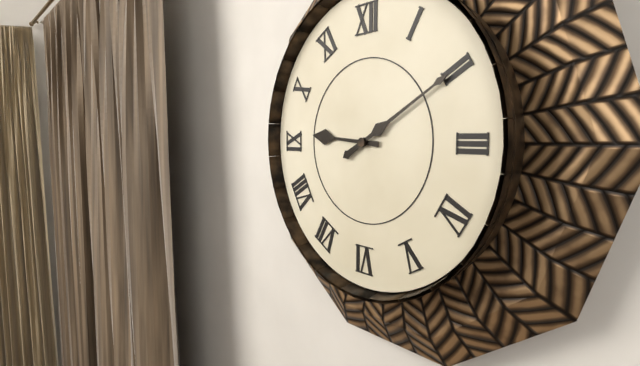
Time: h=9 m=10
